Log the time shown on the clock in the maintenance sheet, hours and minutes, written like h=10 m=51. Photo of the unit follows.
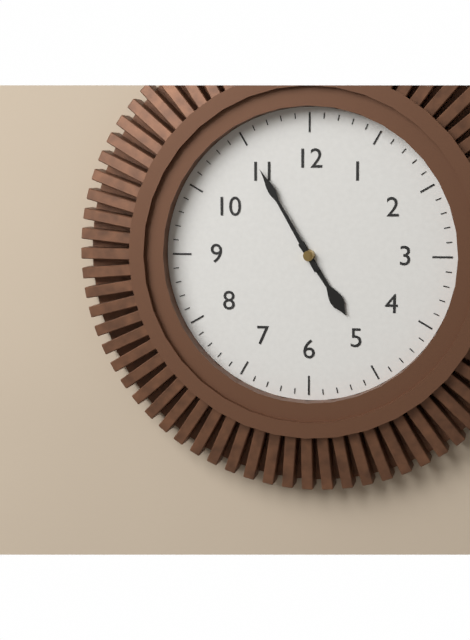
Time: h=4 m=55
